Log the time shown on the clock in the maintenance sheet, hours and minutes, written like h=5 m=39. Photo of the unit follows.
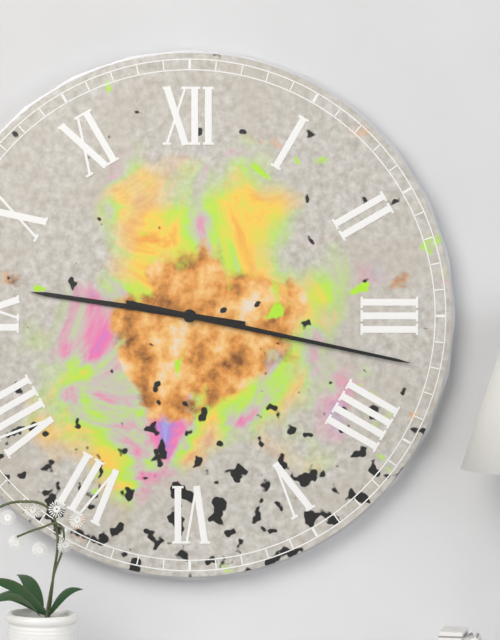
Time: h=9 m=17
